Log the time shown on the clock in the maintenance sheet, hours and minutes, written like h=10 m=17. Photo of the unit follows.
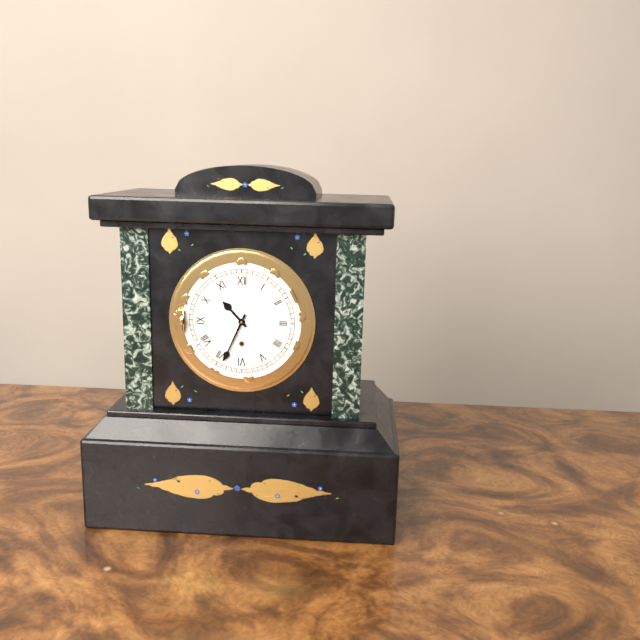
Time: h=10 m=34
